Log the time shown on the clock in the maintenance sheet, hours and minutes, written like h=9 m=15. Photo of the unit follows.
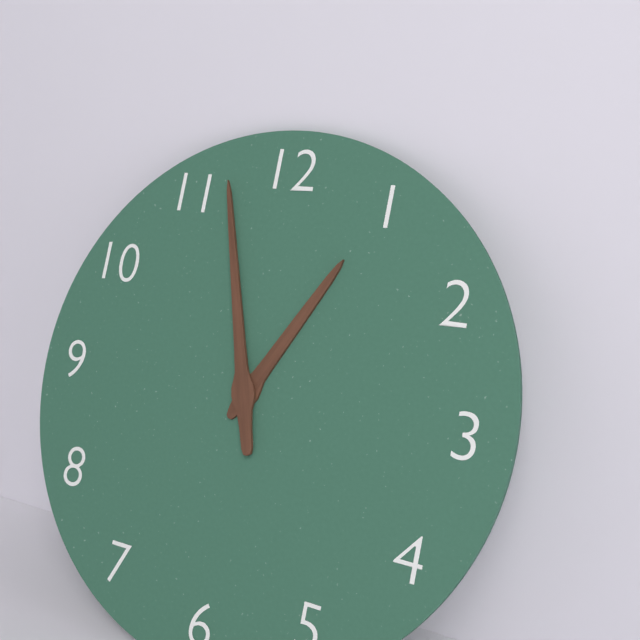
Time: h=12 m=57
